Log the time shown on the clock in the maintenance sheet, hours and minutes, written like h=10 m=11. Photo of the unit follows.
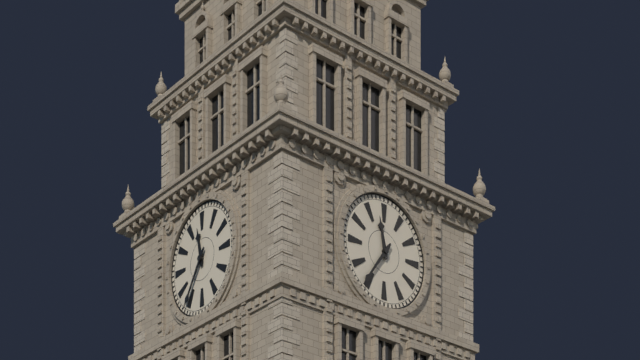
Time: h=11 m=36
